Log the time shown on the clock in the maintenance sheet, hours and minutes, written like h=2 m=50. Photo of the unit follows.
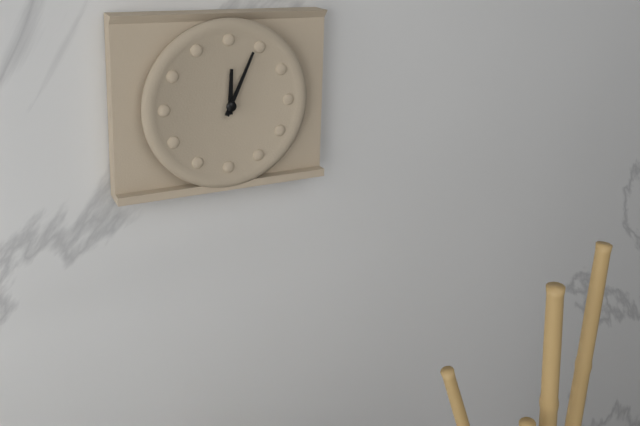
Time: h=12 m=4
